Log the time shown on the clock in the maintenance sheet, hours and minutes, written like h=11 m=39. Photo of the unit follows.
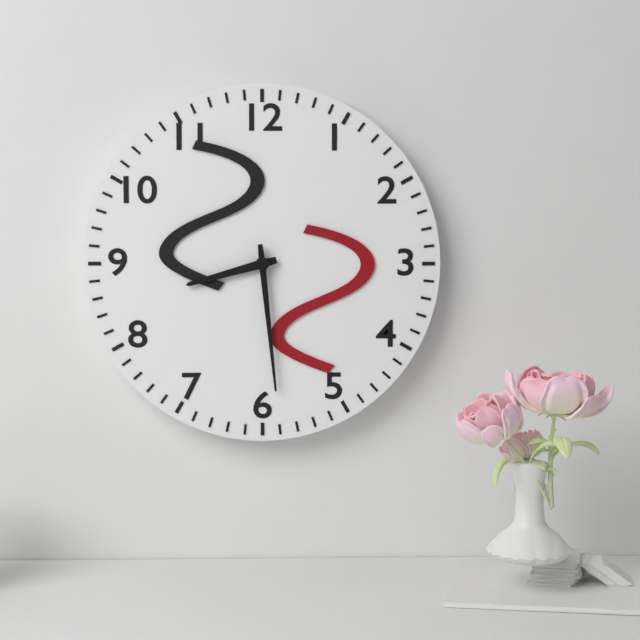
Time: h=8 m=29
